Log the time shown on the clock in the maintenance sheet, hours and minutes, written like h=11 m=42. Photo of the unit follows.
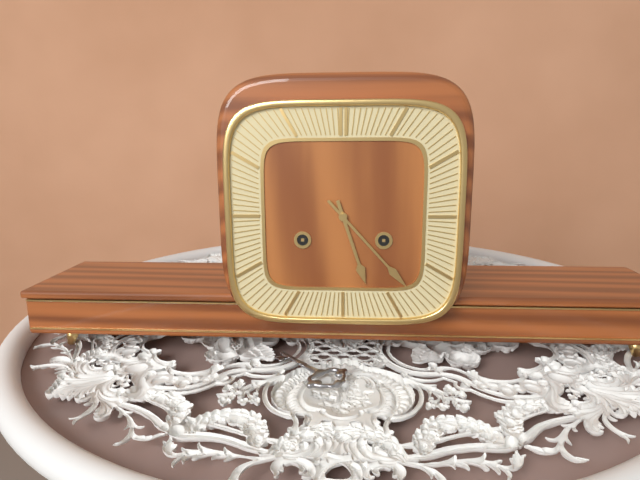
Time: h=5 m=23
